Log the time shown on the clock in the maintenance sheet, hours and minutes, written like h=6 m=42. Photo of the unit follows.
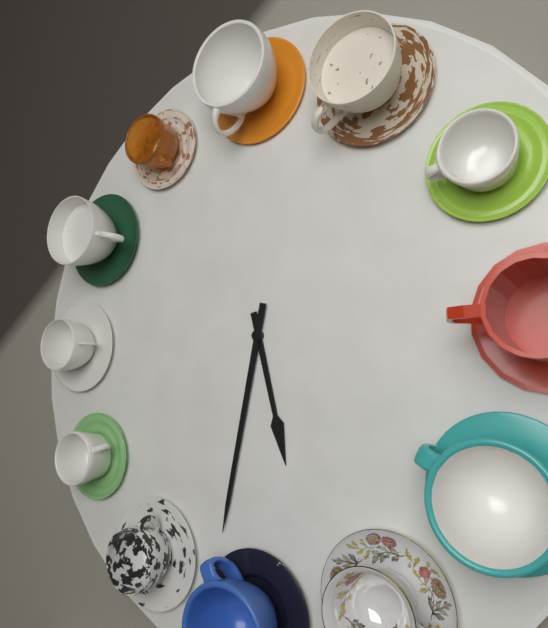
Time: h=5 m=32
